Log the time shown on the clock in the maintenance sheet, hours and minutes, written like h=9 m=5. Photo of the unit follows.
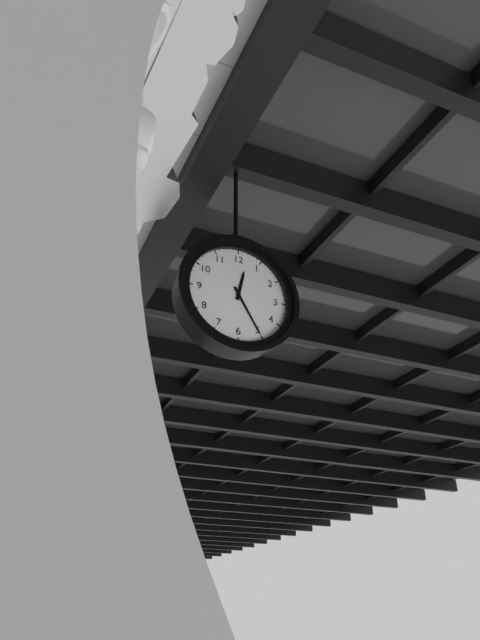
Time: h=12 m=25
